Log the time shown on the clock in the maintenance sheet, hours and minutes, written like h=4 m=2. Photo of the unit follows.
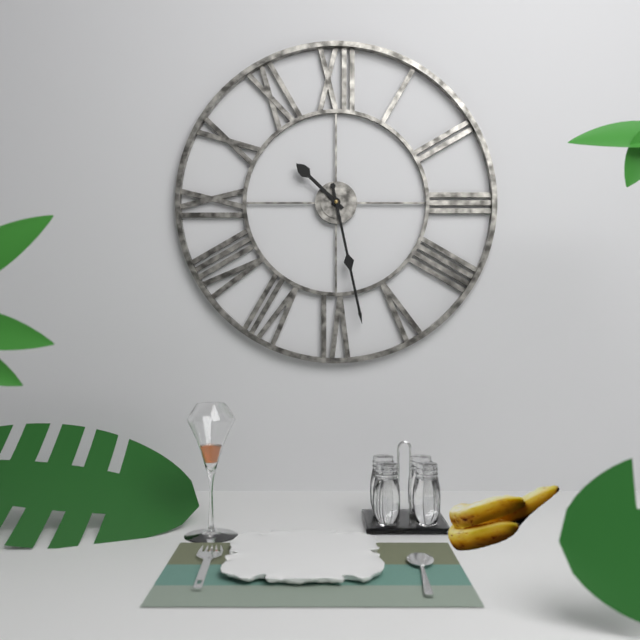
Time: h=10 m=28
